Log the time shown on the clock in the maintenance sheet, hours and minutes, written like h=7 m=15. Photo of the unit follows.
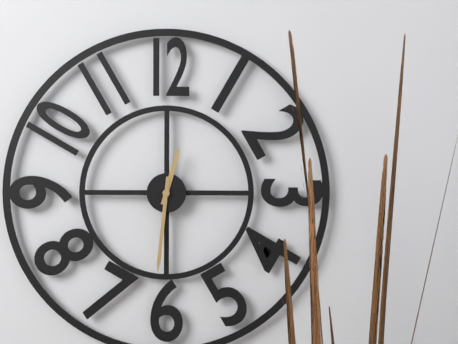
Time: h=12 m=31
